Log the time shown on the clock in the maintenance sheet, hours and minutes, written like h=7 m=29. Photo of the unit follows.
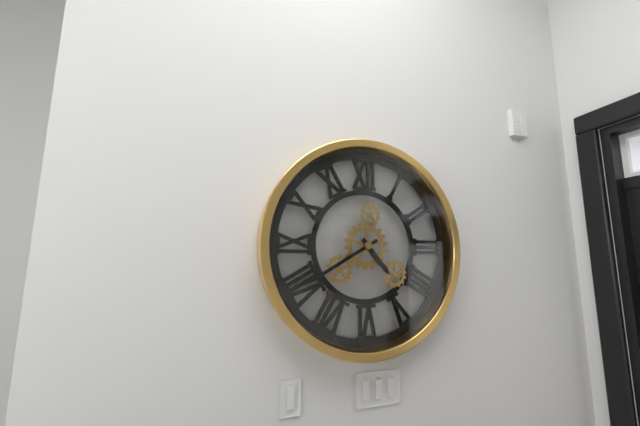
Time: h=4 m=40
